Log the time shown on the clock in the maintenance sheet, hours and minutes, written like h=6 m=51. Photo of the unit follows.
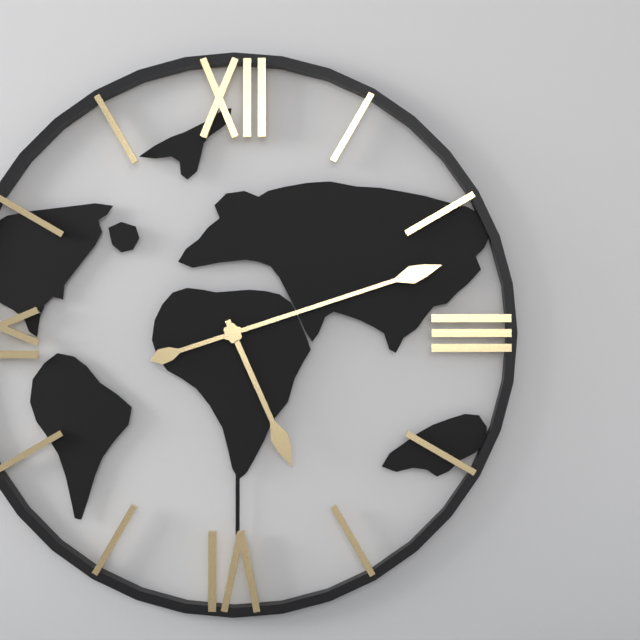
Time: h=5 m=12
